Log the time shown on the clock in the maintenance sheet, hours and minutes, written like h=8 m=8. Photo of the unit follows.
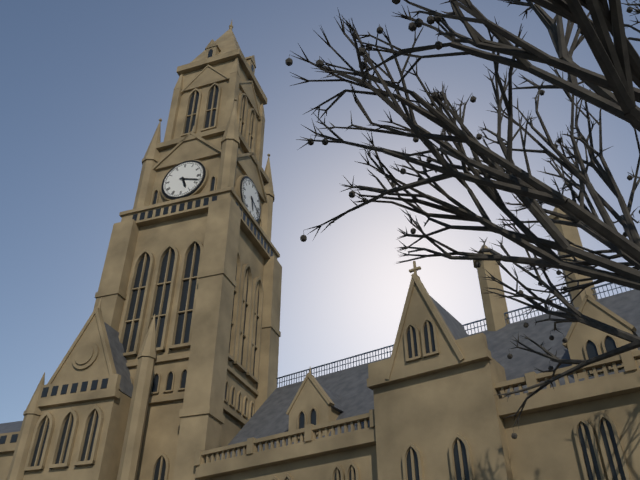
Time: h=5 m=18
